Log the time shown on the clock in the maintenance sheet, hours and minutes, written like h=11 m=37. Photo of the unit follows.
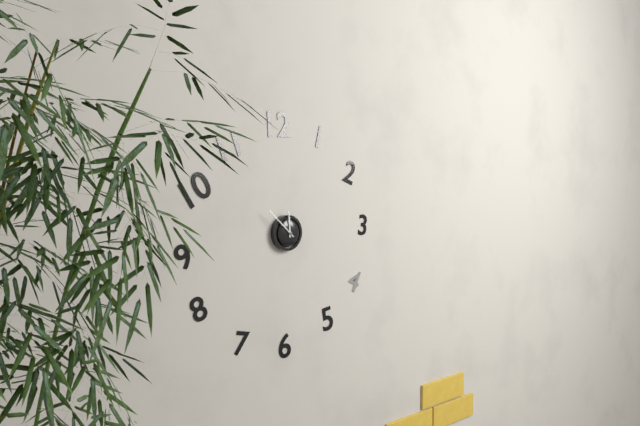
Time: h=11 m=52
